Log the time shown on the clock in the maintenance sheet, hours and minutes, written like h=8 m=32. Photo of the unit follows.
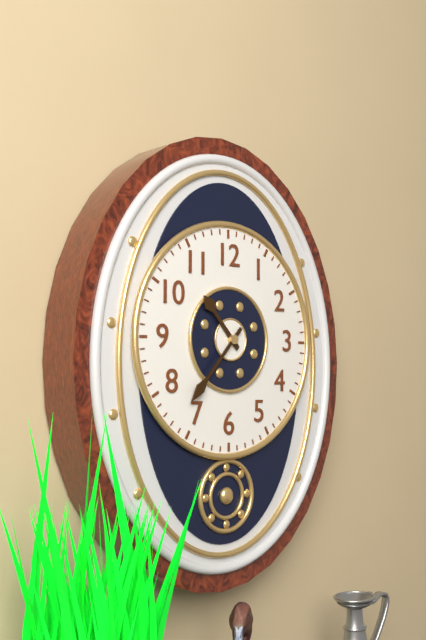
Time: h=10 m=37
